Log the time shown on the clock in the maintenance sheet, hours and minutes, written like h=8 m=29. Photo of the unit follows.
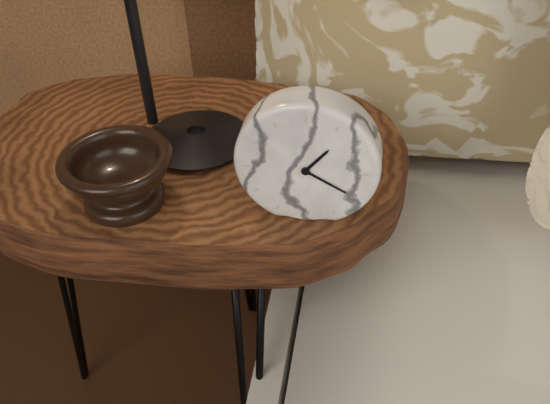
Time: h=1 m=20
